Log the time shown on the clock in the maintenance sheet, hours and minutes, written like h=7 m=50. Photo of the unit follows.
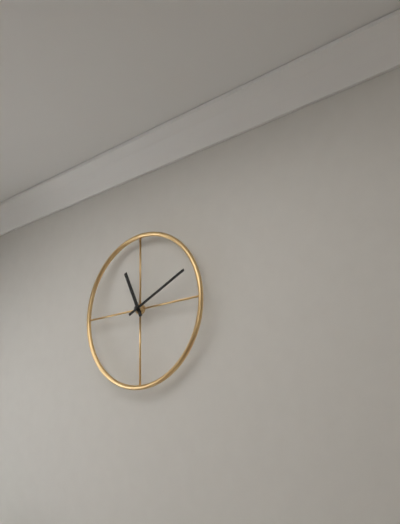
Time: h=11 m=11
